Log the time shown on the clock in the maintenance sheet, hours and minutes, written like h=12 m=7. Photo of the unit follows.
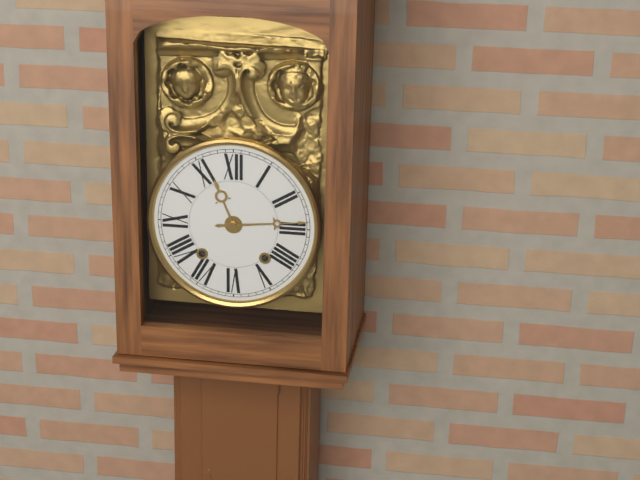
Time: h=11 m=14
